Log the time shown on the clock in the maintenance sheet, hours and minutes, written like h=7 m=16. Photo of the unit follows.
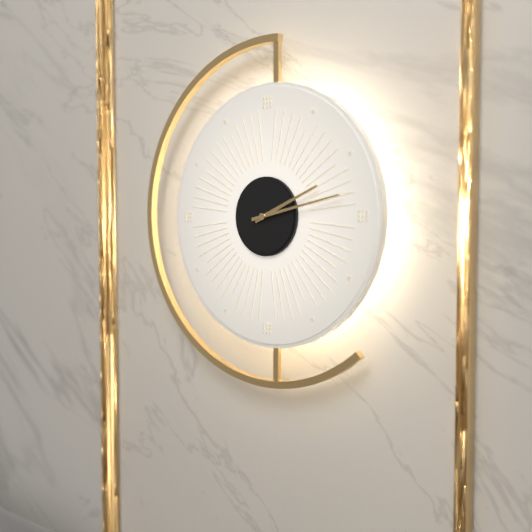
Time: h=2 m=13
